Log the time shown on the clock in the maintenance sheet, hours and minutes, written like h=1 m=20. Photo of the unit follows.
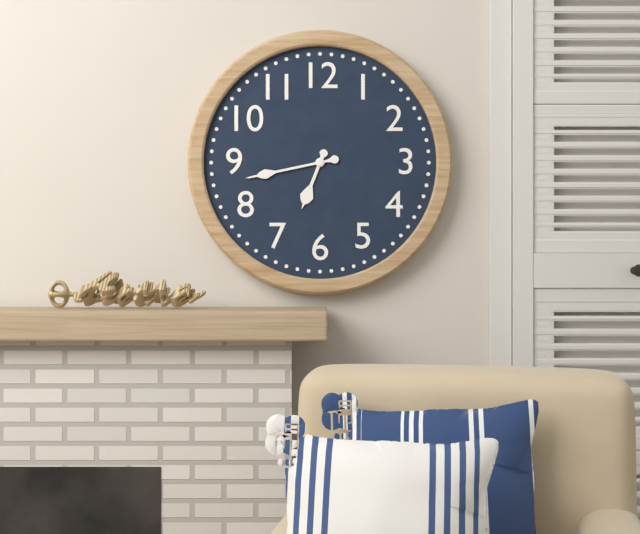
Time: h=6 m=43
